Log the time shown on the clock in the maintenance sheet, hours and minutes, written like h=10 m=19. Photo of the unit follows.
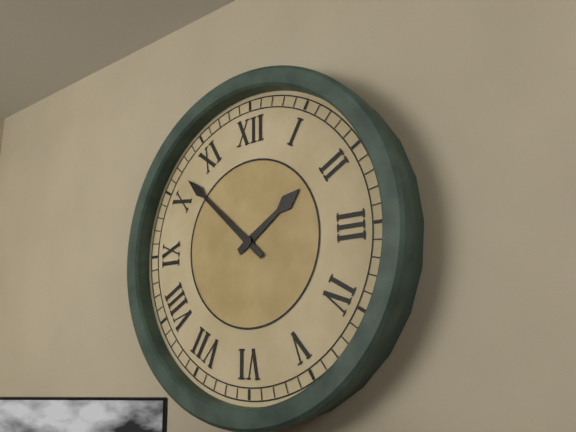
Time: h=1 m=52
